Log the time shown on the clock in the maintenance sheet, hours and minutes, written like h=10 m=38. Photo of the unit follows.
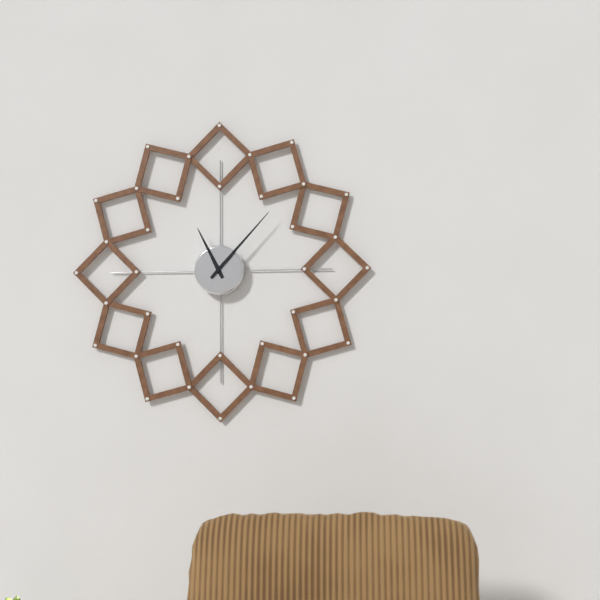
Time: h=11 m=7
